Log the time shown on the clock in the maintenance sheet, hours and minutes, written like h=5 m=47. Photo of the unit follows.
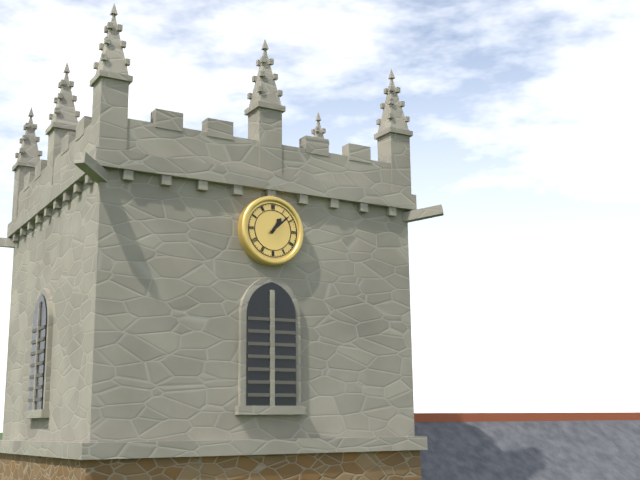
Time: h=1 m=8
